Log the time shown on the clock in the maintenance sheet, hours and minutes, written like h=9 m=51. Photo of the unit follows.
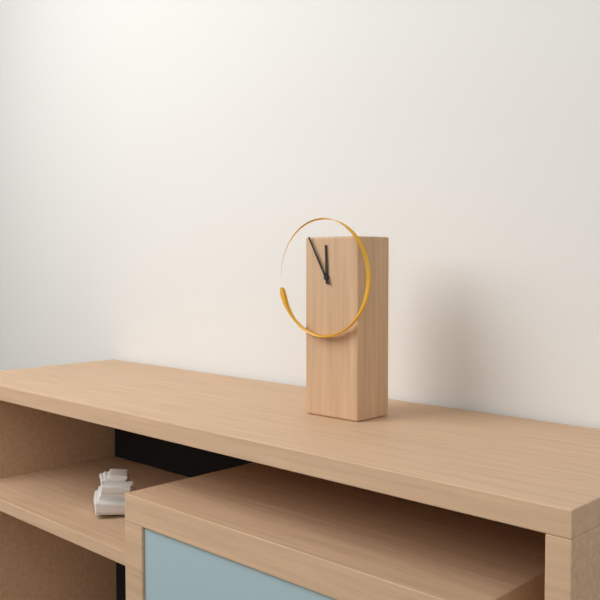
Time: h=11 m=55
